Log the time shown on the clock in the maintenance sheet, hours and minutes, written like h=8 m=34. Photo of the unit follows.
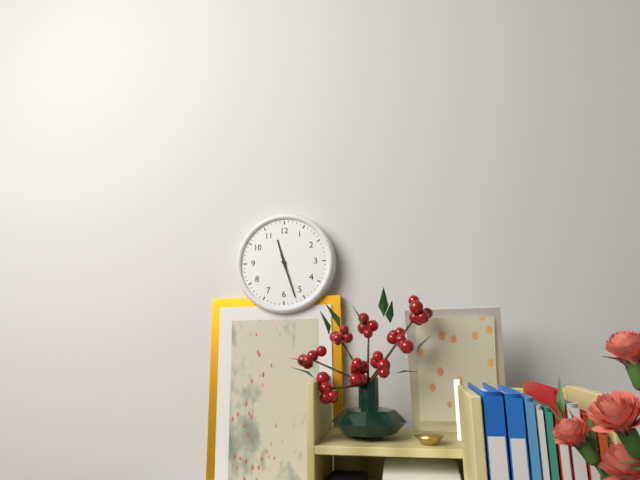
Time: h=11 m=27
